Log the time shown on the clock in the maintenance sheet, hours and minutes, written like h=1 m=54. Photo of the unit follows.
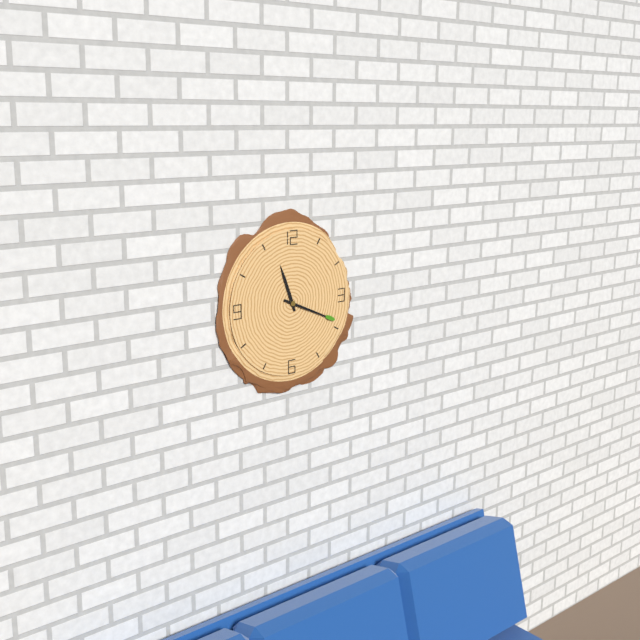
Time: h=11 m=19
